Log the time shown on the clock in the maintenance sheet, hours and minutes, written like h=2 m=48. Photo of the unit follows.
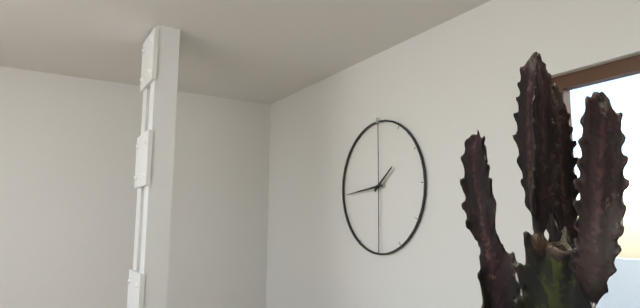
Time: h=1 m=44
